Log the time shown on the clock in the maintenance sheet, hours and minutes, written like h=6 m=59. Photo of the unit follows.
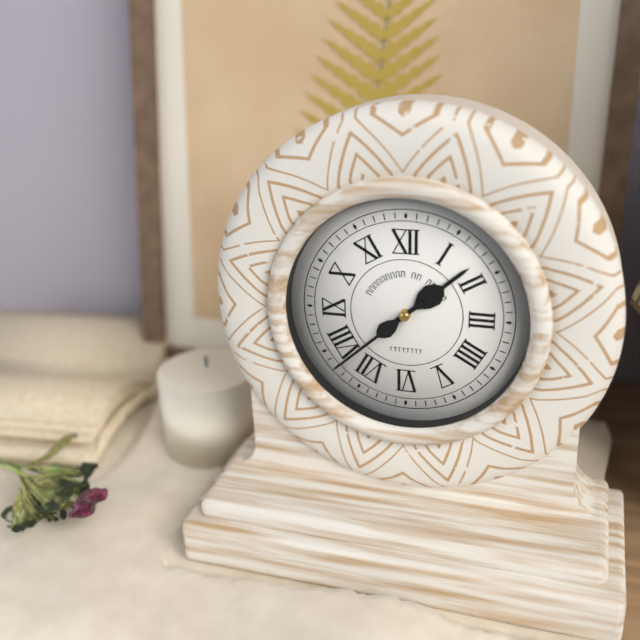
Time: h=1 m=38
